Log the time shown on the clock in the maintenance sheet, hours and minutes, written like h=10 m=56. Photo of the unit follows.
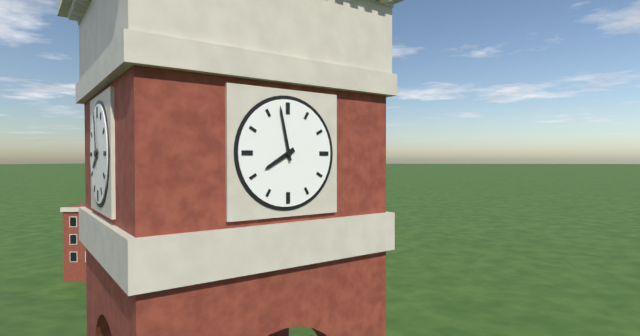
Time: h=7 m=58
